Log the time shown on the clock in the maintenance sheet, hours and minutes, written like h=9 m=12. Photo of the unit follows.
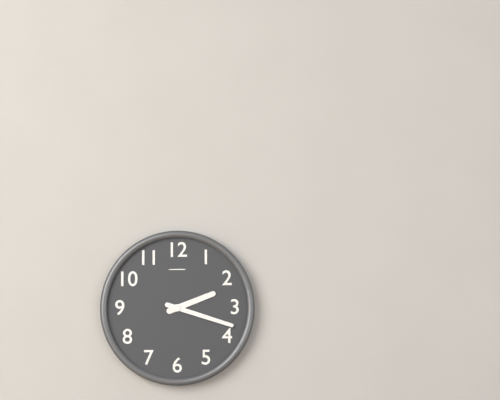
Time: h=2 m=18
